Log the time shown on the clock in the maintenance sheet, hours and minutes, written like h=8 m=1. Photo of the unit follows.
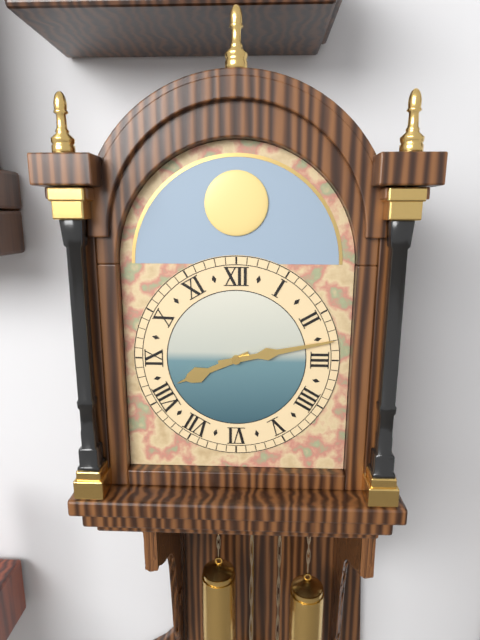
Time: h=8 m=13
